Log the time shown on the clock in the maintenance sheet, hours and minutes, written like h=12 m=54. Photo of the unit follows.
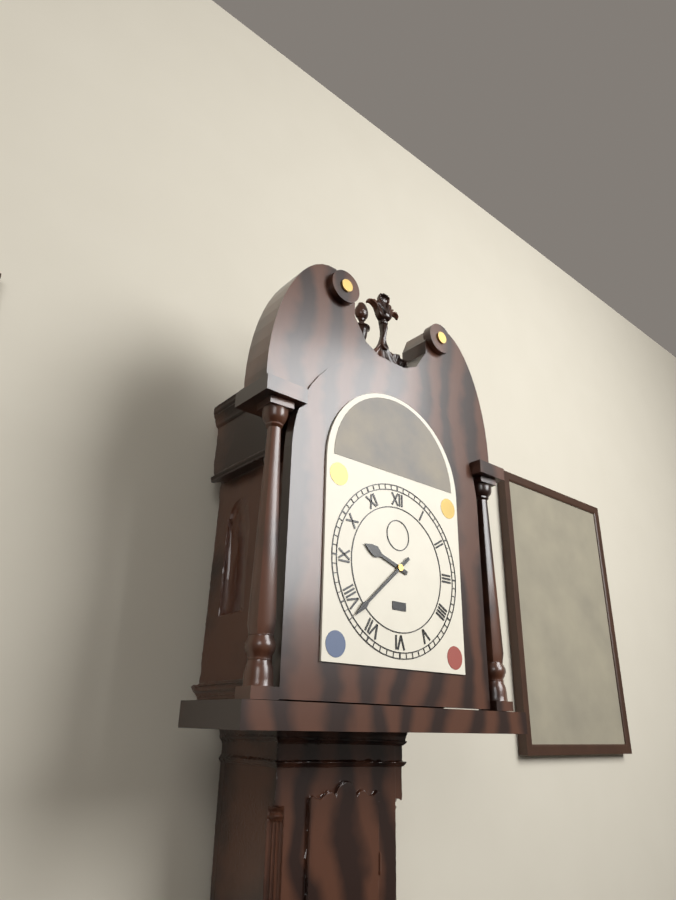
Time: h=9 m=38
